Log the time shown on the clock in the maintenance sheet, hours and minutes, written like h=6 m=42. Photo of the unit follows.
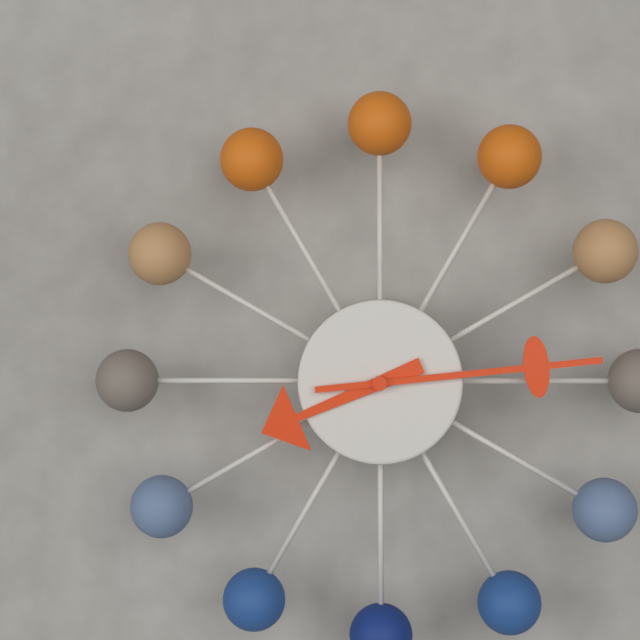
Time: h=8 m=14
